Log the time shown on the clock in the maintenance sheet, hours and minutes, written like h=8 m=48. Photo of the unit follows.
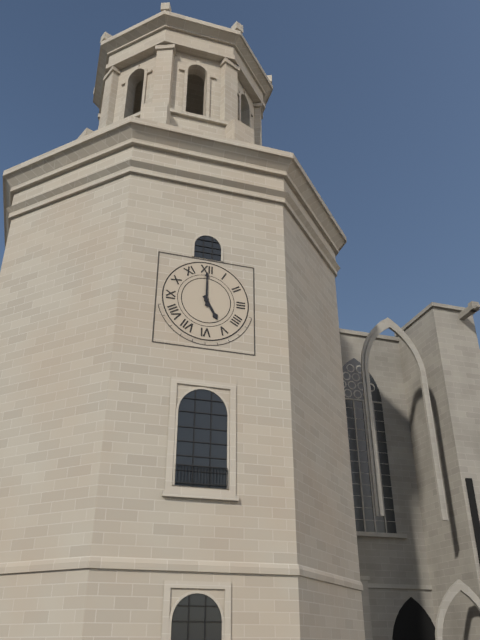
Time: h=5 m=0
